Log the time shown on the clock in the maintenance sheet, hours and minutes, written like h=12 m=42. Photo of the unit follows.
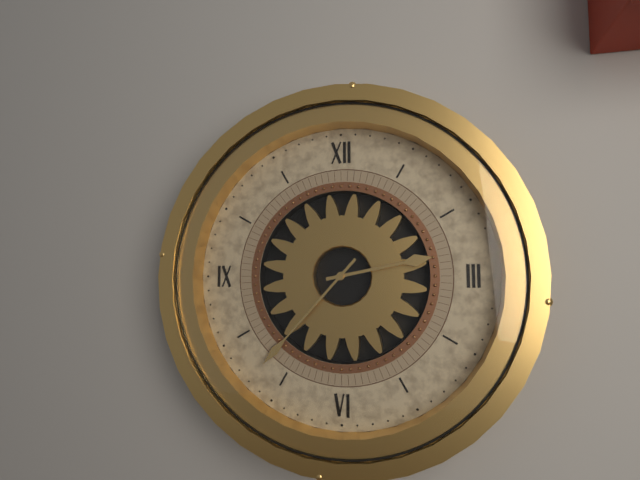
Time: h=2 m=37
